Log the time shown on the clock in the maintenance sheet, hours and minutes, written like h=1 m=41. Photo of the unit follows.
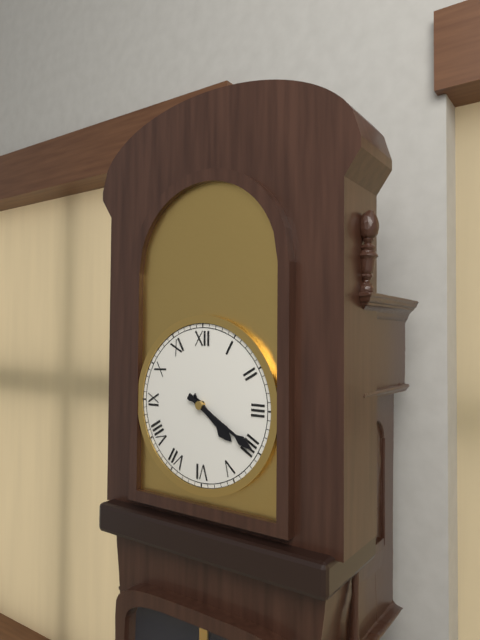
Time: h=4 m=20
